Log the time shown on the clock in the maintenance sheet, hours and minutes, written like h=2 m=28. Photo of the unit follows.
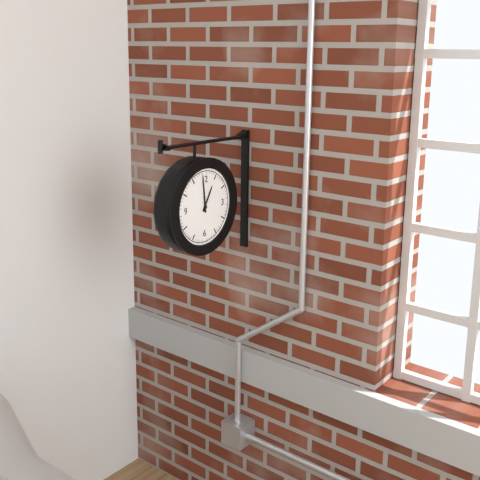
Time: h=12 m=59
